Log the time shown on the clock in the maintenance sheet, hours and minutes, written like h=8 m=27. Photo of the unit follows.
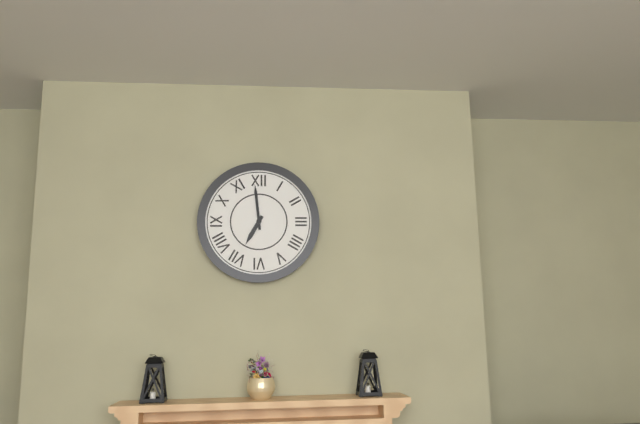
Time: h=6 m=59
